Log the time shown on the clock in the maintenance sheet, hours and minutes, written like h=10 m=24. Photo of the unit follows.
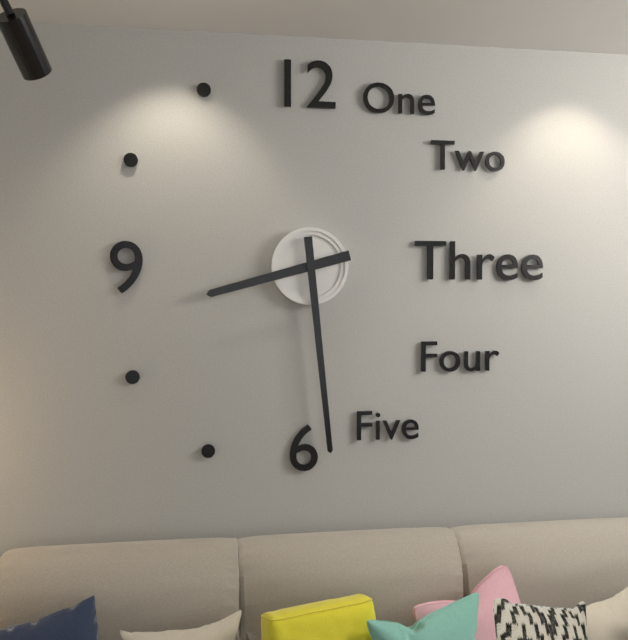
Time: h=8 m=29
